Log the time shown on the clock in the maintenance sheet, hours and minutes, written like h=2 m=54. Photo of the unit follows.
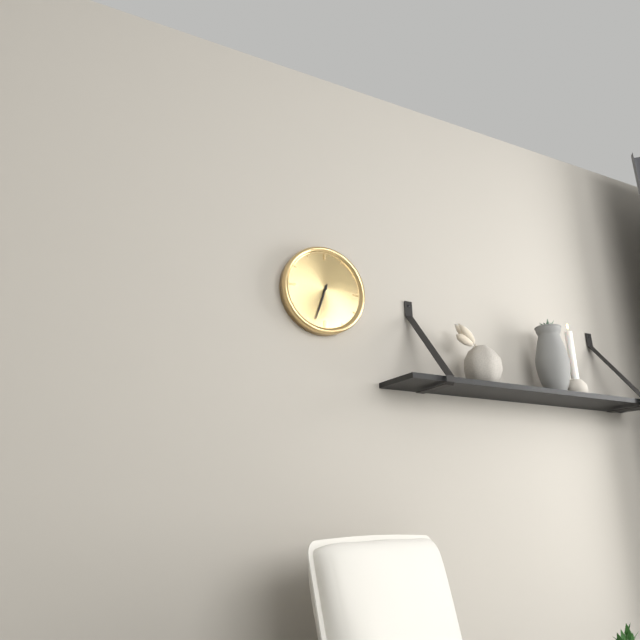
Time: h=6 m=33
